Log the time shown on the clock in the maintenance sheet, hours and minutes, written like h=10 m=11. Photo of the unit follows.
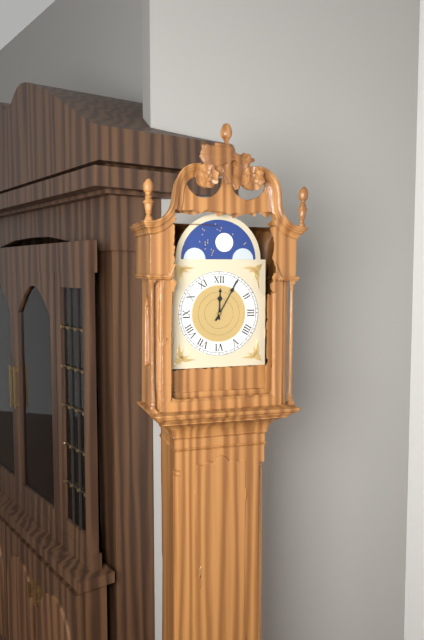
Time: h=12 m=5
